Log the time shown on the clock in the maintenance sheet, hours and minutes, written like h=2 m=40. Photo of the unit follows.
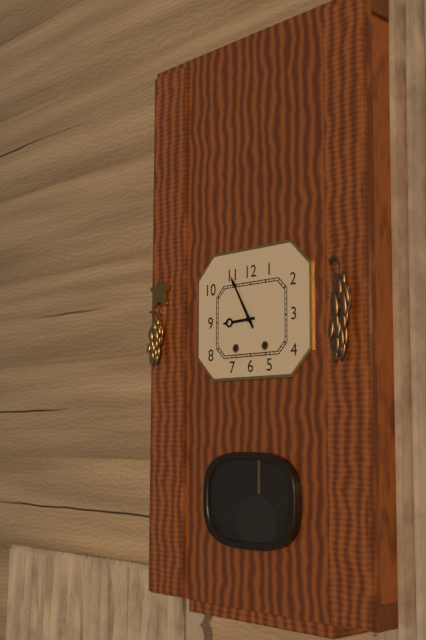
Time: h=8 m=55
